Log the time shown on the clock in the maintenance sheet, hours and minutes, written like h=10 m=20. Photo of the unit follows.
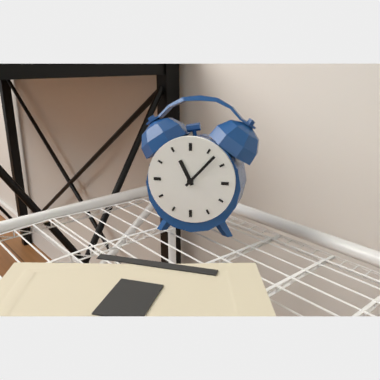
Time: h=11 m=7
